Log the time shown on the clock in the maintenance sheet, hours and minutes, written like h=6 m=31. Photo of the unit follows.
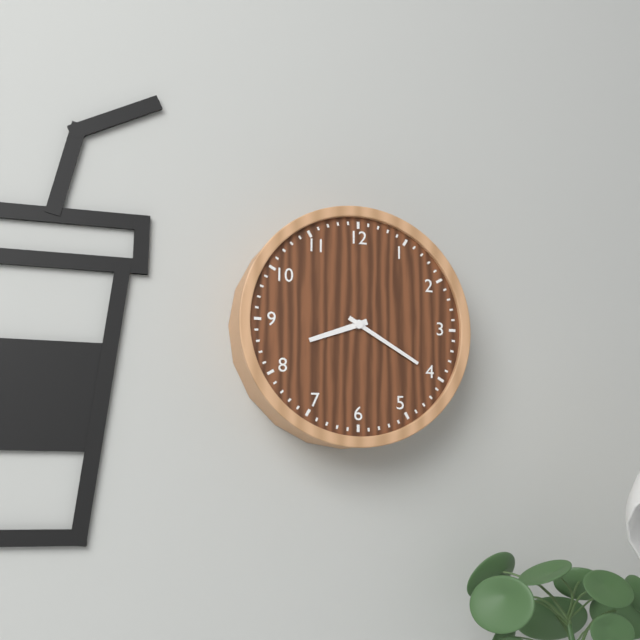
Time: h=8 m=20
